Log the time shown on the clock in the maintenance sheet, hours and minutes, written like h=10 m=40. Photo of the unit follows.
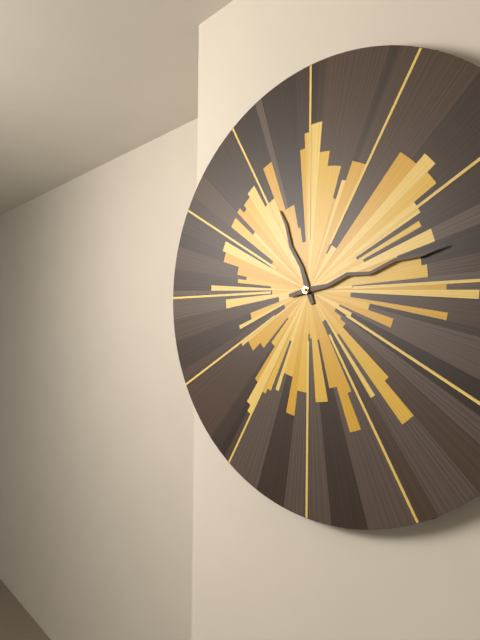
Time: h=11 m=13
